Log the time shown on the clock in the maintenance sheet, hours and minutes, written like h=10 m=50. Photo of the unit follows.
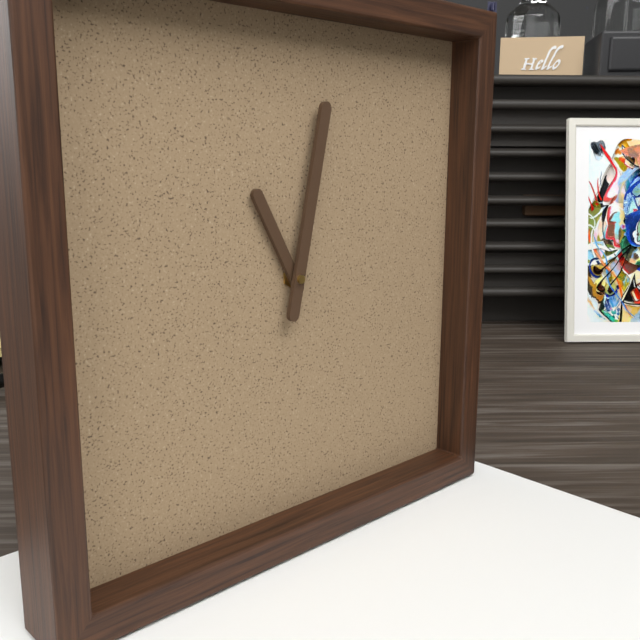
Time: h=11 m=2
